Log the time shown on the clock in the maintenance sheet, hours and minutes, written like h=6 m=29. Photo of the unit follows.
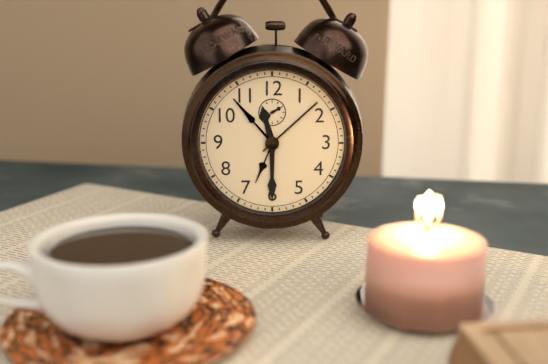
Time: h=11 m=30
